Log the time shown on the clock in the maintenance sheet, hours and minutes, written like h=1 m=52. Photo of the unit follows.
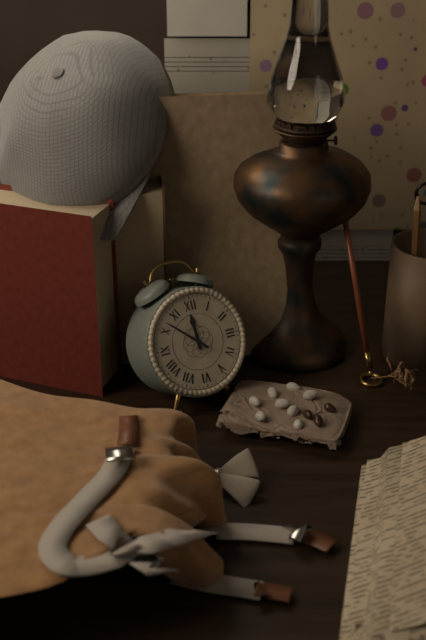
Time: h=11 m=52
